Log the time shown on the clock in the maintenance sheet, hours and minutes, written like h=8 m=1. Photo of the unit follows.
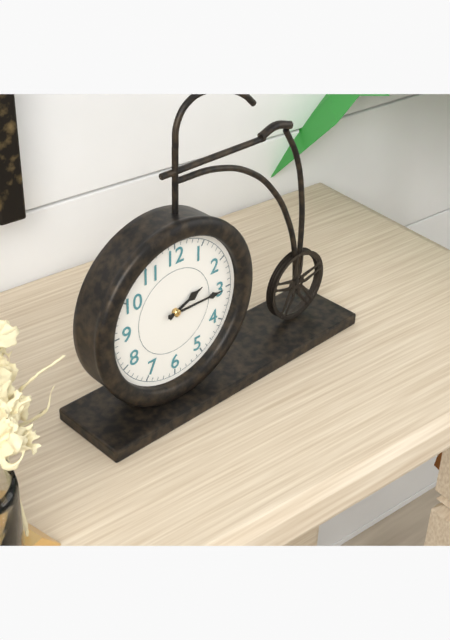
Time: h=2 m=15
